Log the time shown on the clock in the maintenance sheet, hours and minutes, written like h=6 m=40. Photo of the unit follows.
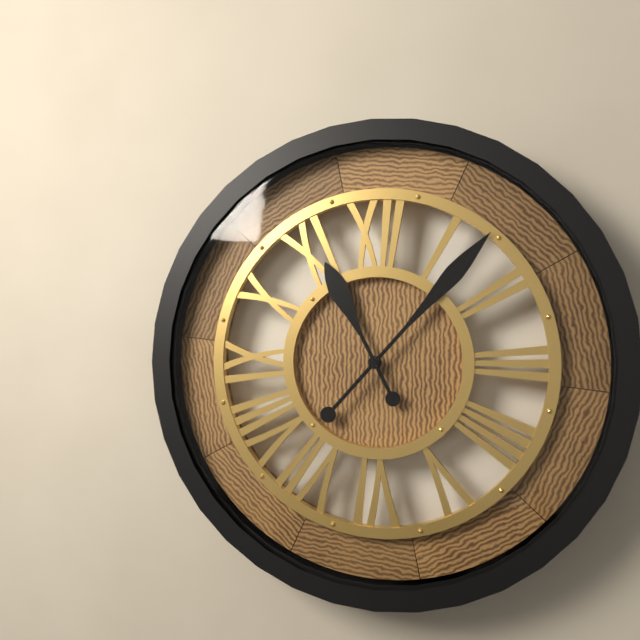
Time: h=11 m=7
